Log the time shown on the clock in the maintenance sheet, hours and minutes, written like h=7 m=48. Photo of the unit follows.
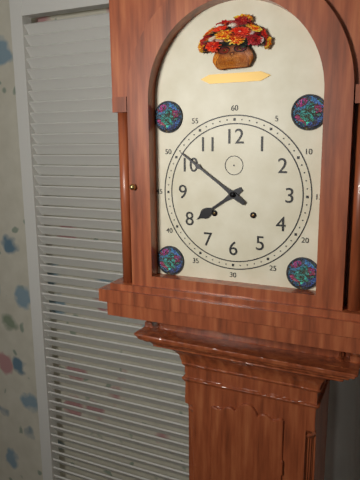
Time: h=7 m=51
